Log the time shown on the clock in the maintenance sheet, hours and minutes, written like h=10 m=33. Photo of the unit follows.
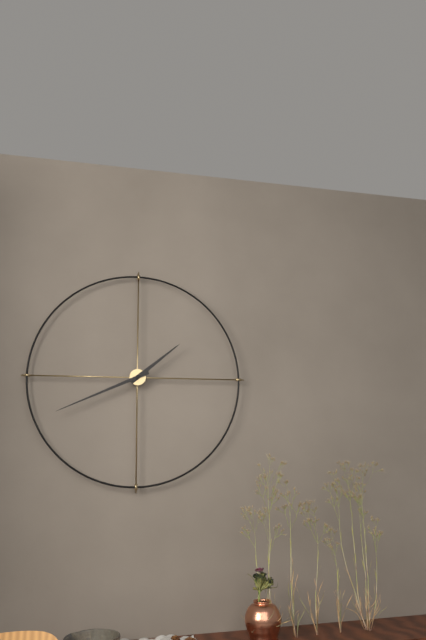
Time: h=1 m=41
